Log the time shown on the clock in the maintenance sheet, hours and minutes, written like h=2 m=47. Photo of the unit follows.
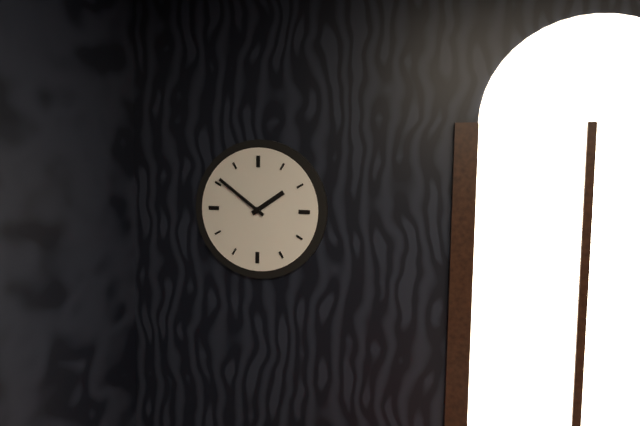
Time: h=1 m=51
